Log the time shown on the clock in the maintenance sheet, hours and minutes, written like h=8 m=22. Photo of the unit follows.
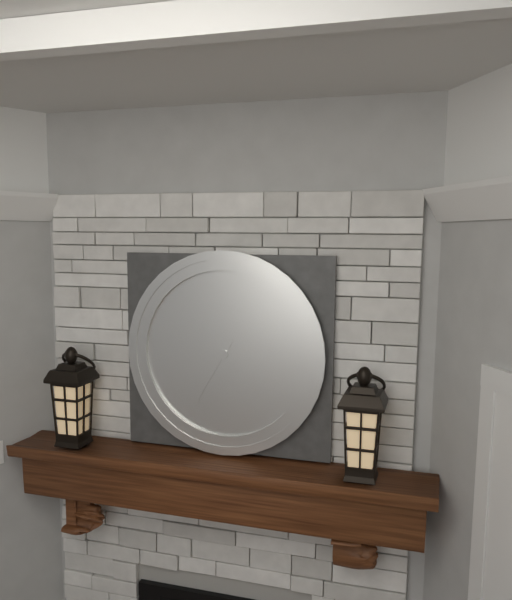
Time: h=10 m=35
